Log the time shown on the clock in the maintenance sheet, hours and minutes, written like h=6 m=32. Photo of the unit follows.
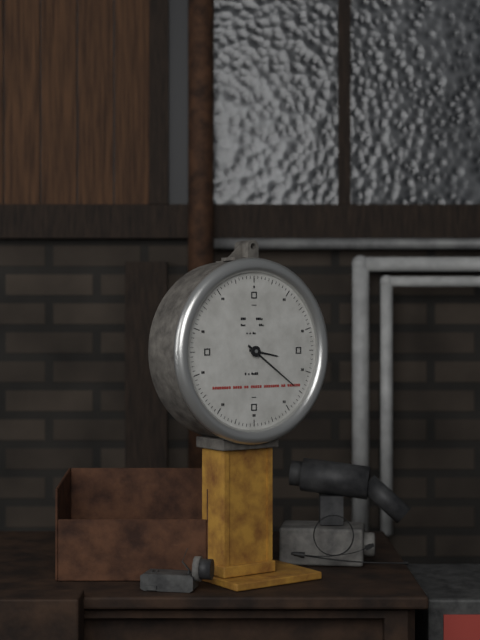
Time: h=3 m=21
